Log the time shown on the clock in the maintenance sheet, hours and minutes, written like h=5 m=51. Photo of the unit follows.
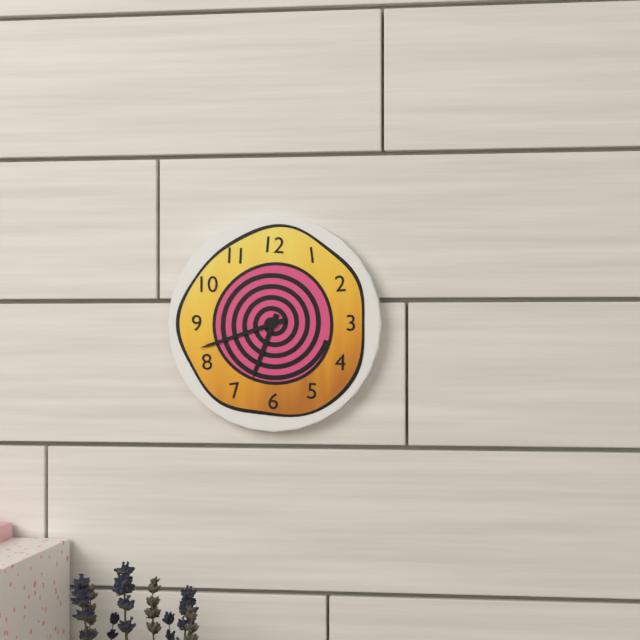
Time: h=6 m=42
